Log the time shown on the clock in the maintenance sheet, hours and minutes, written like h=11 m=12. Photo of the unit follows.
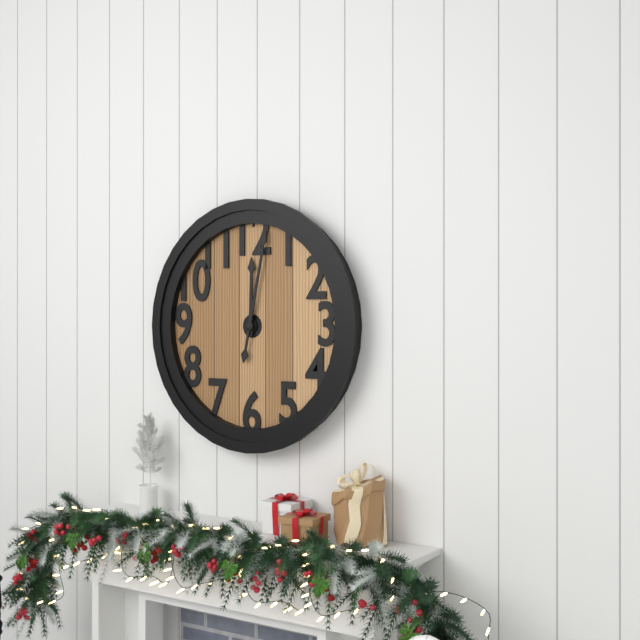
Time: h=12 m=2
